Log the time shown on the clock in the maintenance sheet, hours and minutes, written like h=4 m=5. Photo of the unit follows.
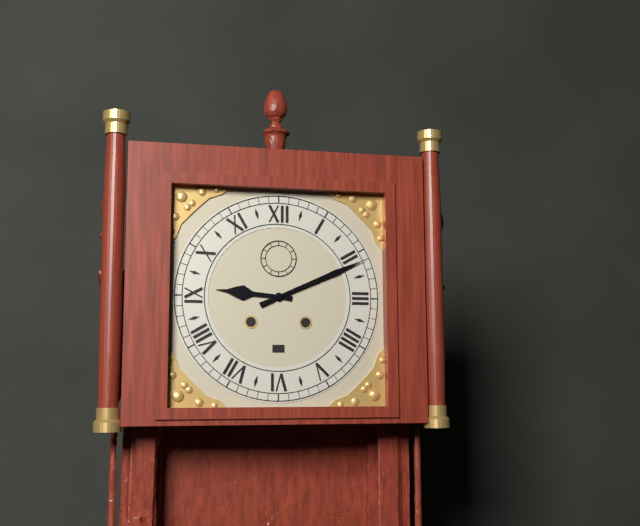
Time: h=9 m=11
